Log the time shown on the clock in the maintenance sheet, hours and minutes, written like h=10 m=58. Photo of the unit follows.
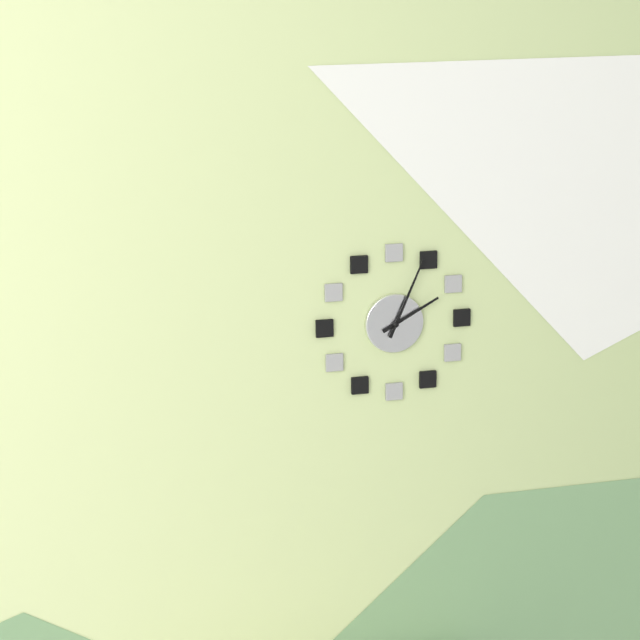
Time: h=2 m=4
